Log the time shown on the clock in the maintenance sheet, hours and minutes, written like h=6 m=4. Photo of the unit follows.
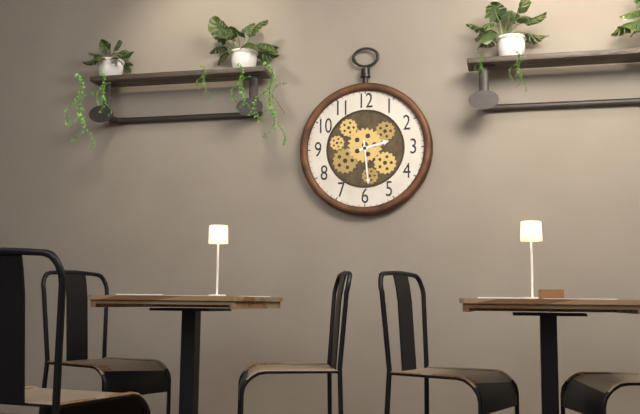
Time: h=2 m=29
